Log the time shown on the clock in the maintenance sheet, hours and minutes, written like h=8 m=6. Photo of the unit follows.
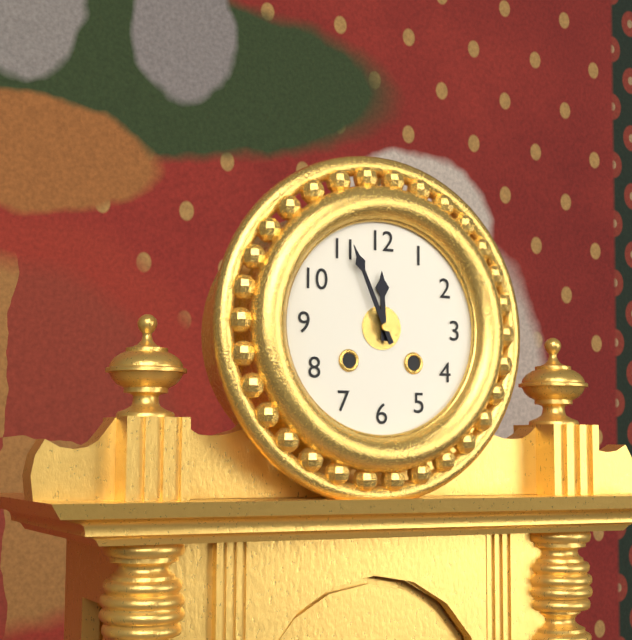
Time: h=11 m=56
